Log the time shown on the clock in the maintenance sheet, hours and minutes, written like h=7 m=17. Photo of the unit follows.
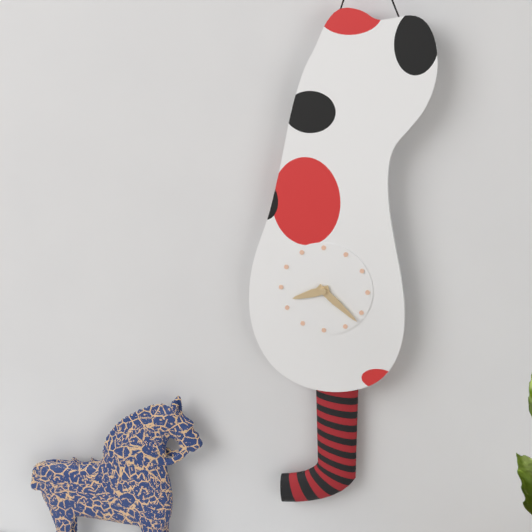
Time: h=8 m=22
